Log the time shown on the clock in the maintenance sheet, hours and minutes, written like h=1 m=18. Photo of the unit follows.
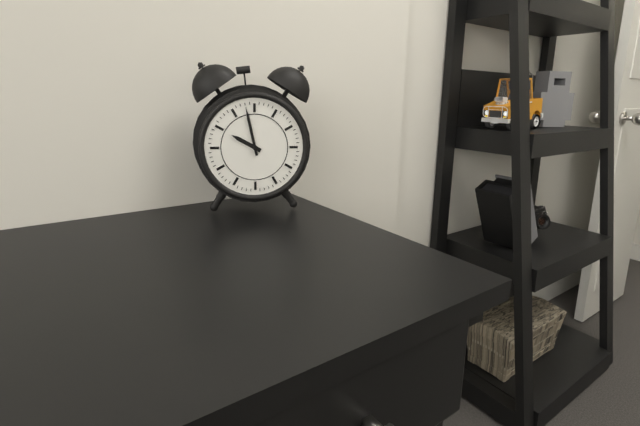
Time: h=9 m=58
